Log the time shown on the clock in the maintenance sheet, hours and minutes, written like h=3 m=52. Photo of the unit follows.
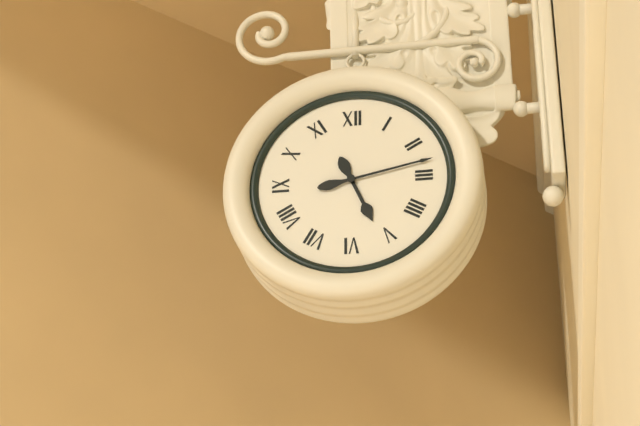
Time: h=5 m=13
